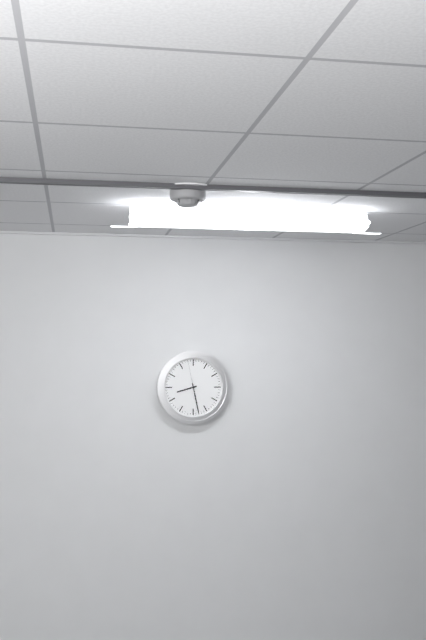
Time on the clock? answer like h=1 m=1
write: h=8 m=28
